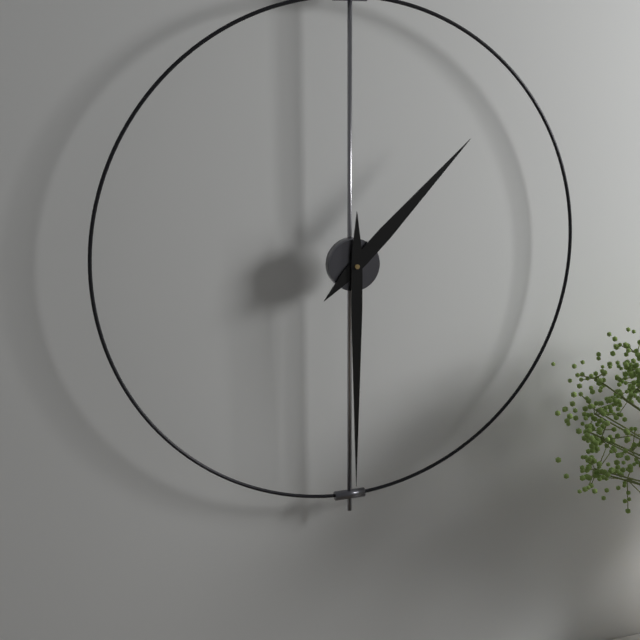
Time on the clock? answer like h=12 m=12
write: h=1 m=30
